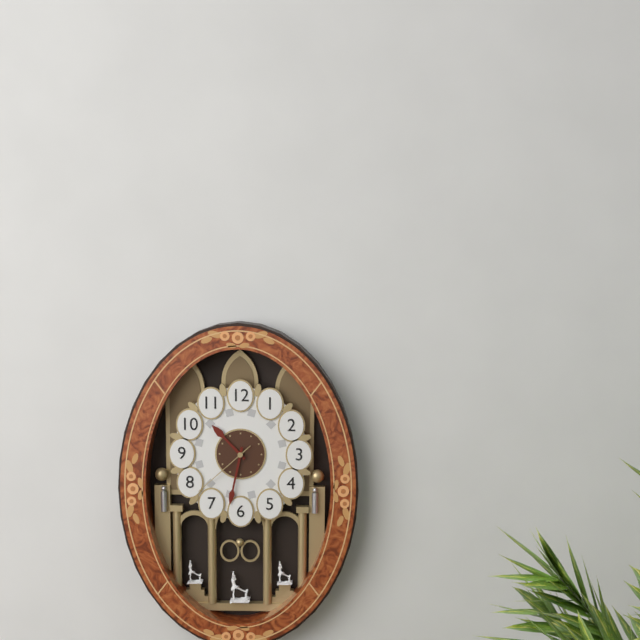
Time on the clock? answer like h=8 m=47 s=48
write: h=10 m=32 s=38
